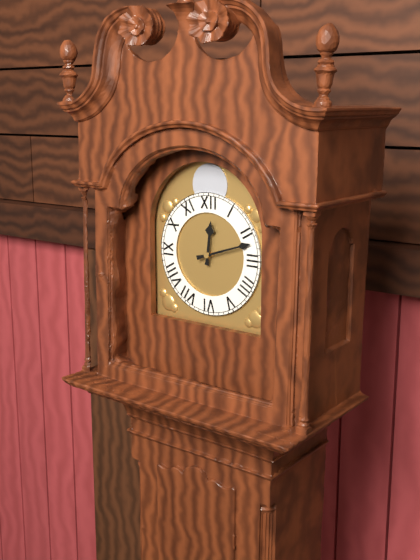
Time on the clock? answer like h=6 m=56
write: h=12 m=12
